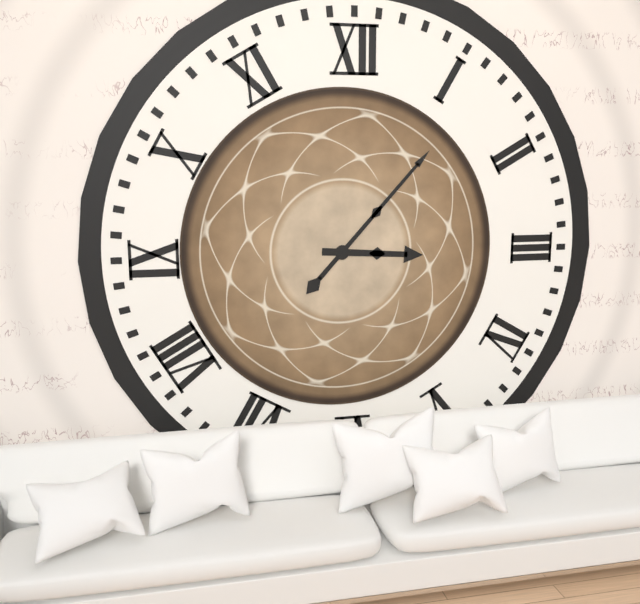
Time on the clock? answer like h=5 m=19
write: h=3 m=7
